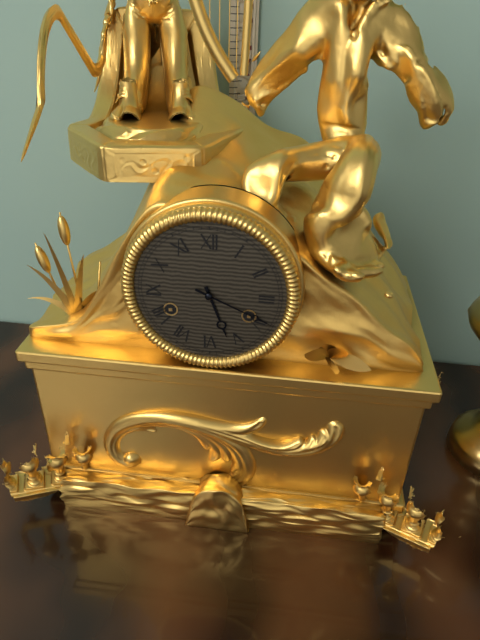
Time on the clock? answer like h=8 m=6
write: h=5 m=19
